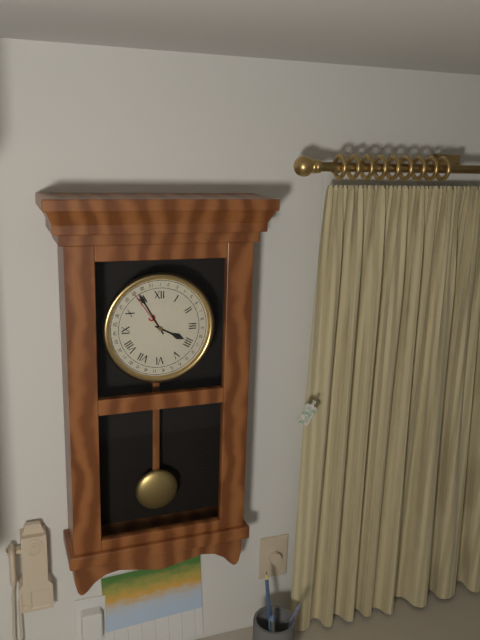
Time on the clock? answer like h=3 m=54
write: h=3 m=55
